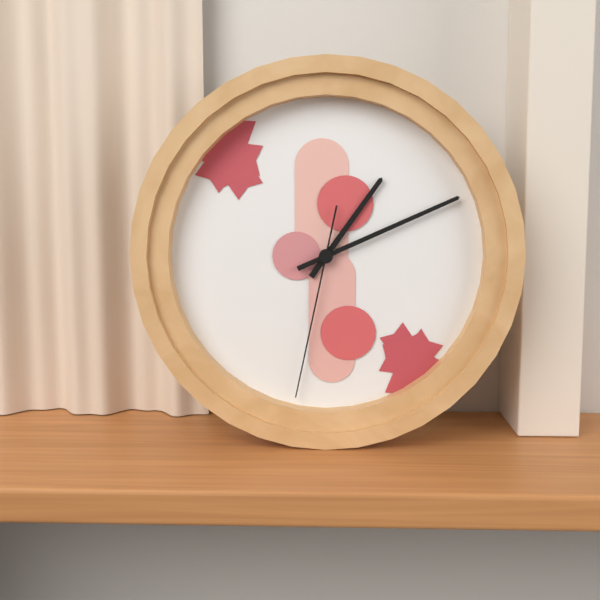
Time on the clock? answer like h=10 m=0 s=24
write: h=1 m=11 s=32
